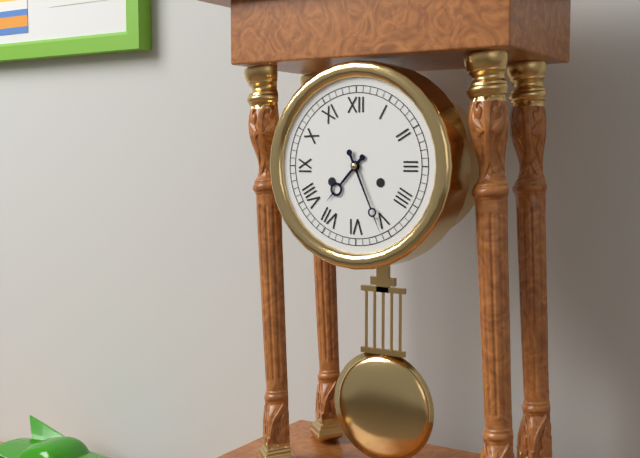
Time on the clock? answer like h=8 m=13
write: h=7 m=26
